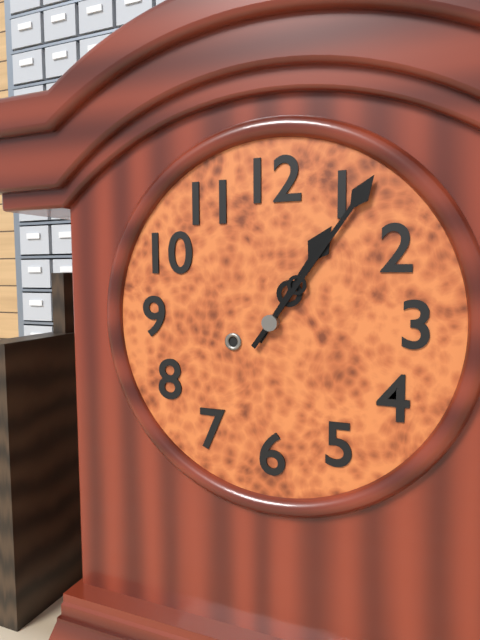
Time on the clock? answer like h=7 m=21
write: h=1 m=6
